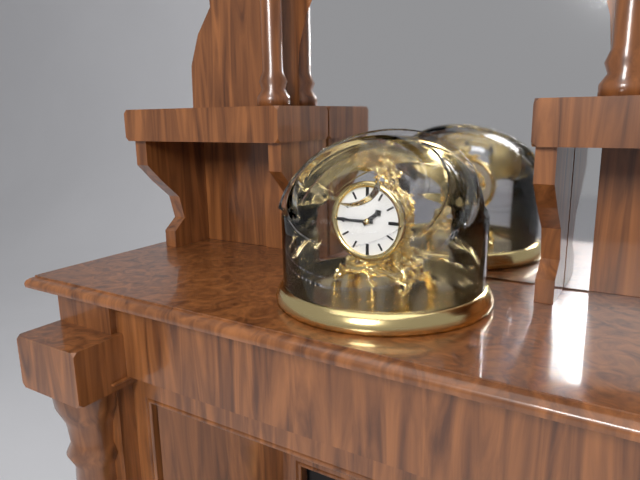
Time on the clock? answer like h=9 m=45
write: h=1 m=45
